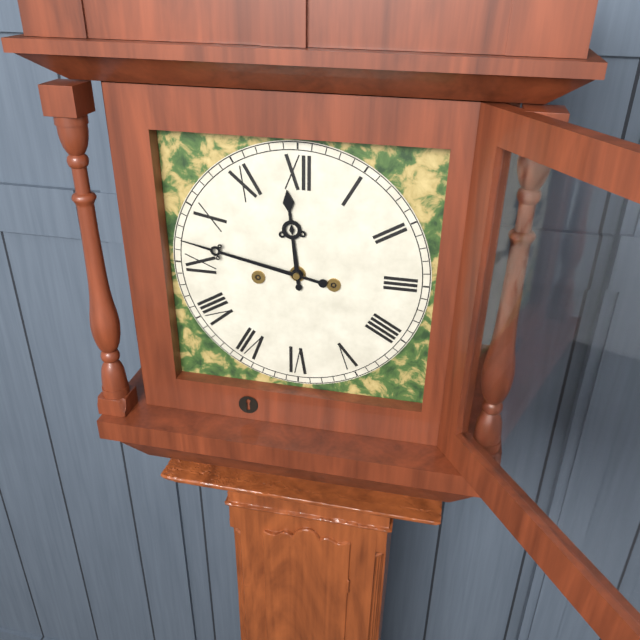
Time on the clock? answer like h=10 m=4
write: h=11 m=47
